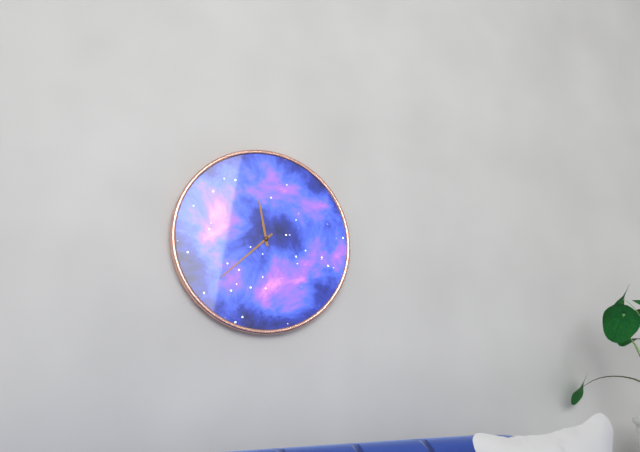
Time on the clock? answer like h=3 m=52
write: h=11 m=38
